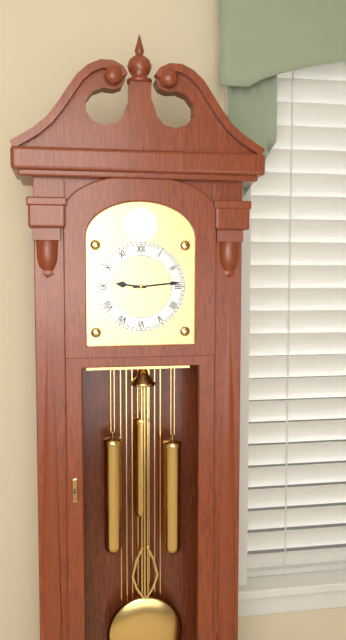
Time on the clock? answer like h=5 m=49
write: h=9 m=14
